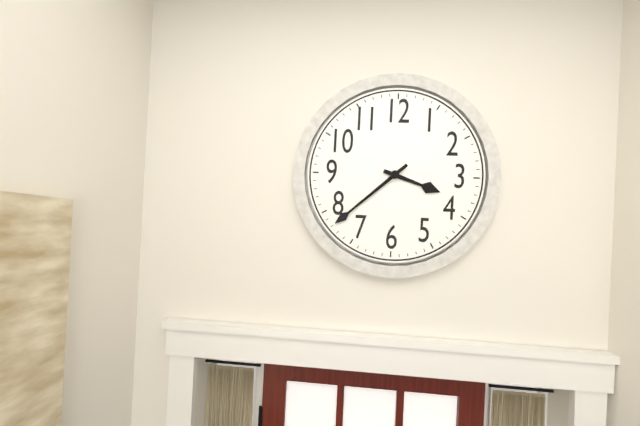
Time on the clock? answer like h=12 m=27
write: h=3 m=38
